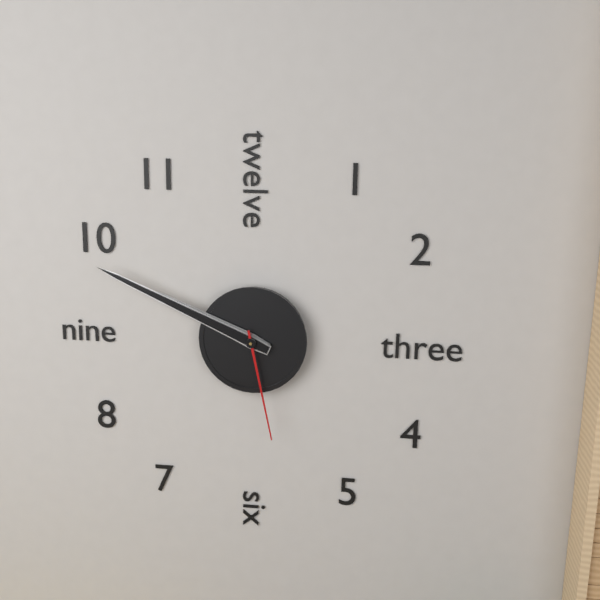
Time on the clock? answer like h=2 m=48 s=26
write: h=9 m=49 s=28
